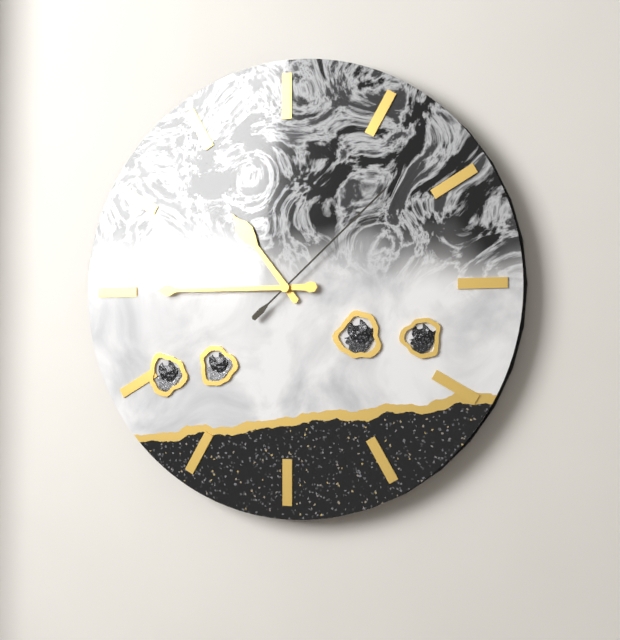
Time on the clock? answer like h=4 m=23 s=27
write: h=10 m=45 s=8
